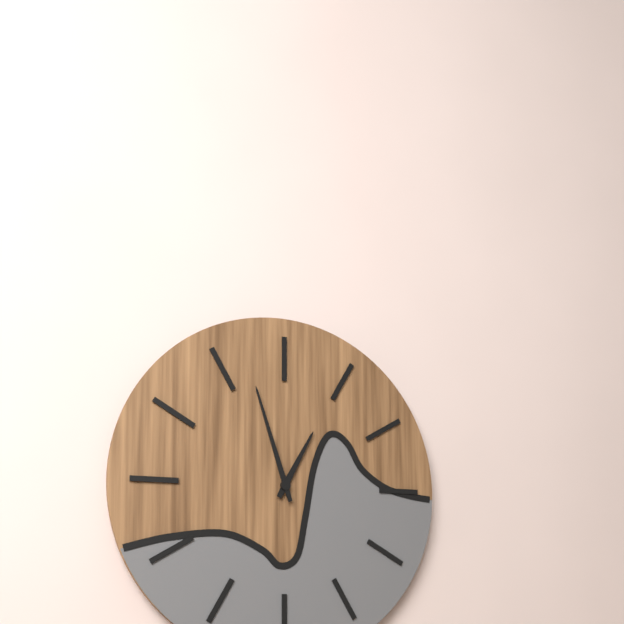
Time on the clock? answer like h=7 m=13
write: h=12 m=57
